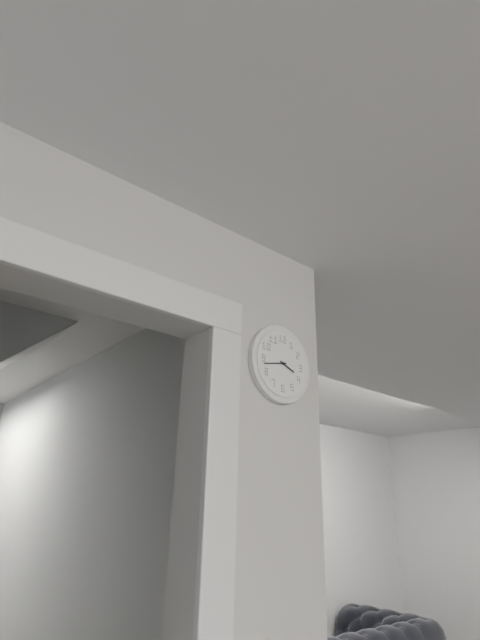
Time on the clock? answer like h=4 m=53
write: h=3 m=43
